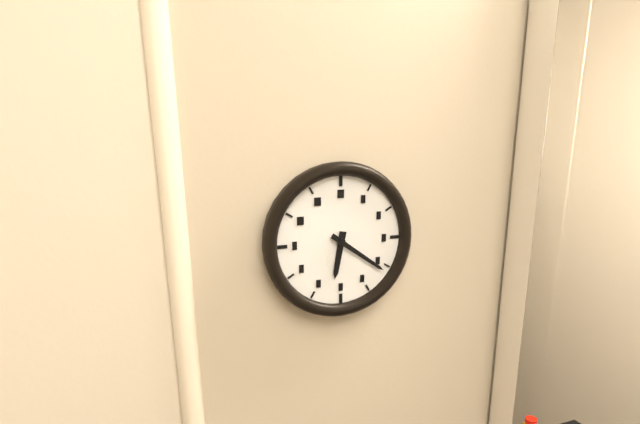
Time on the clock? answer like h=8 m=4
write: h=6 m=21
